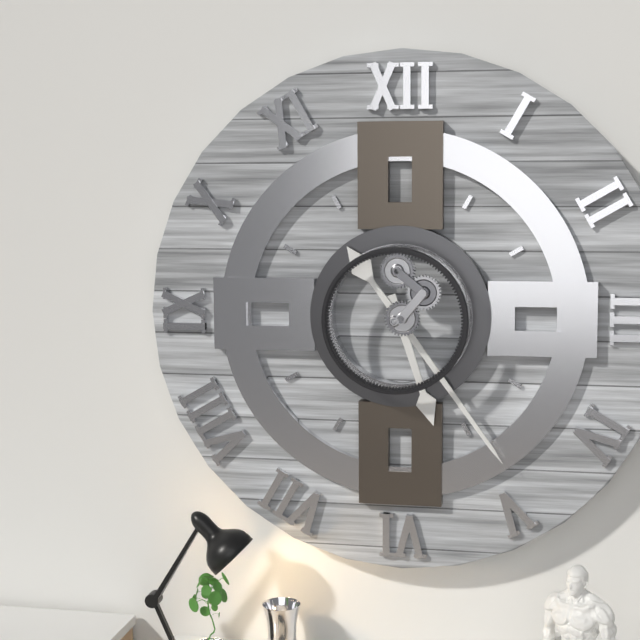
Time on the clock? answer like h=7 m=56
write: h=5 m=24
